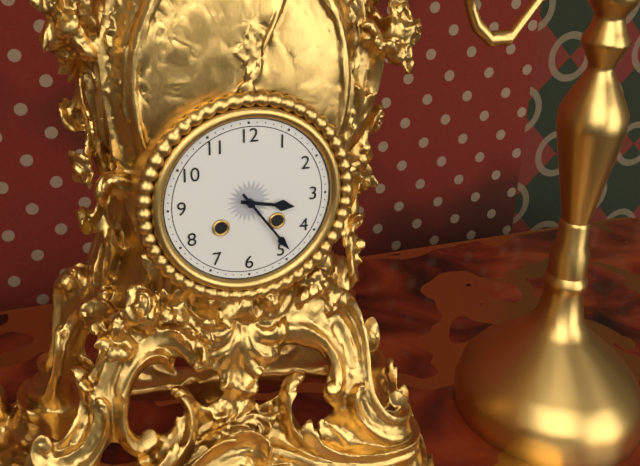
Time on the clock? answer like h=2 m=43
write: h=3 m=24
